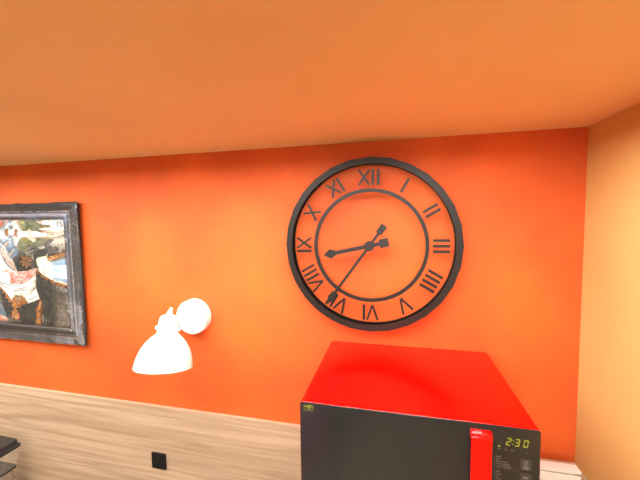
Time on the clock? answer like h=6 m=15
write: h=8 m=36
